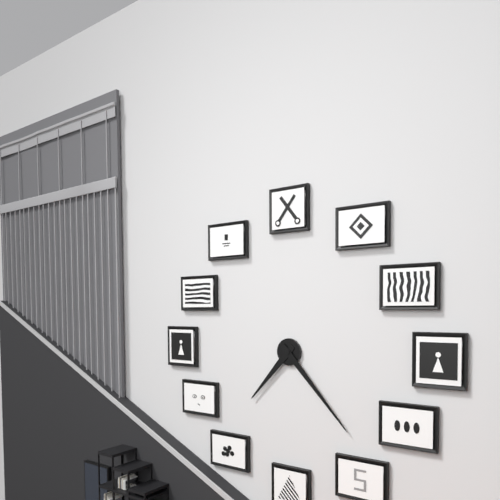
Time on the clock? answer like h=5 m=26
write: h=7 m=23
